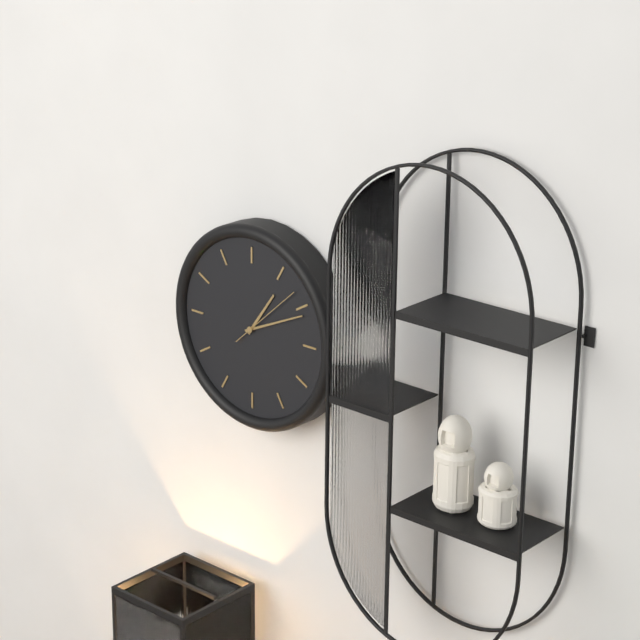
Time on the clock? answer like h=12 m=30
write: h=1 m=11
